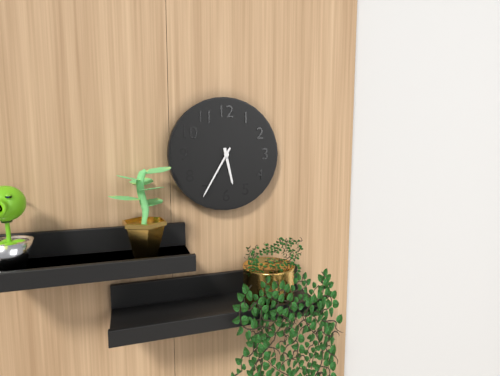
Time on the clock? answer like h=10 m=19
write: h=5 m=35
